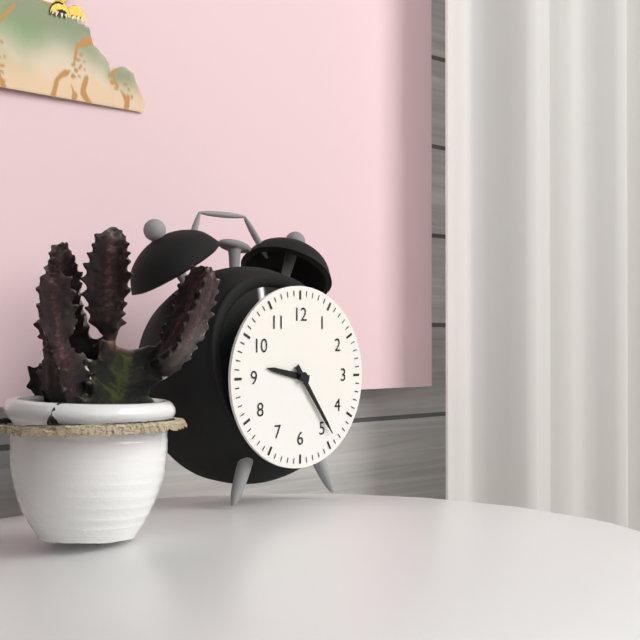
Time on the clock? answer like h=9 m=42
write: h=9 m=24
